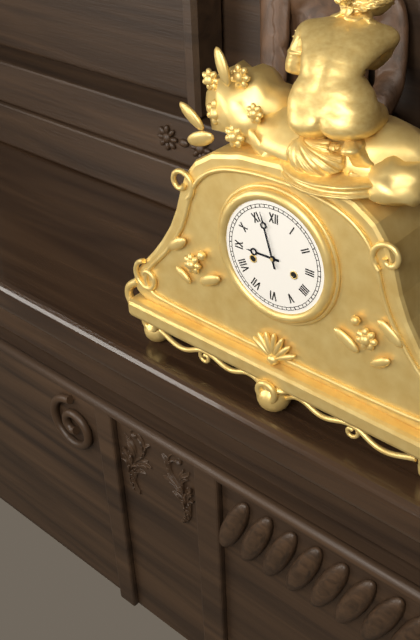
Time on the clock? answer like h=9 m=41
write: h=8 m=57
